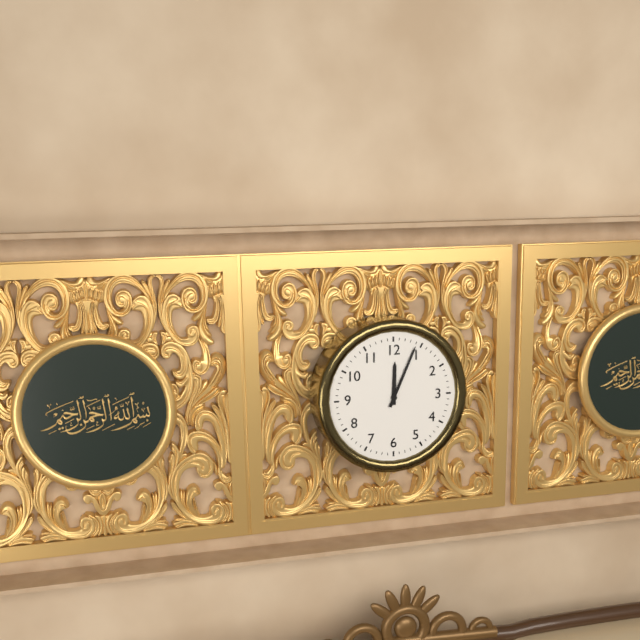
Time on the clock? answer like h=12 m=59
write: h=12 m=4
